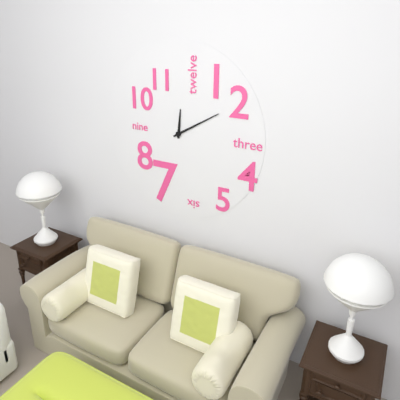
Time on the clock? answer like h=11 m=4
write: h=12 m=10
